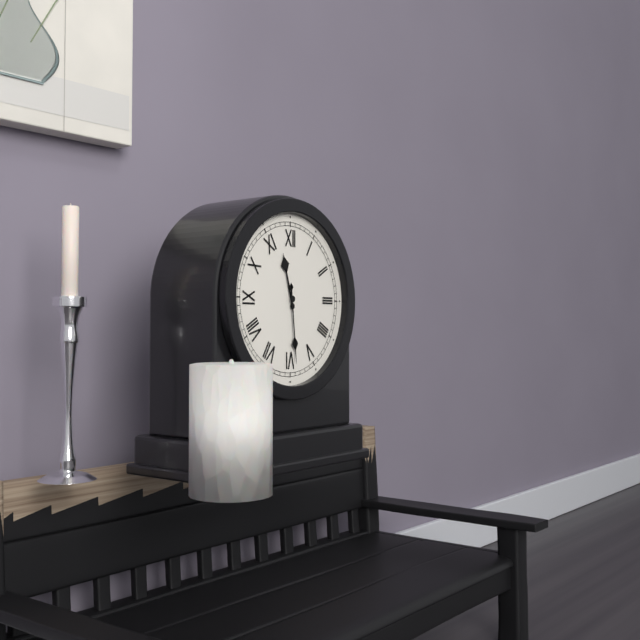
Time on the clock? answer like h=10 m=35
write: h=11 m=29
